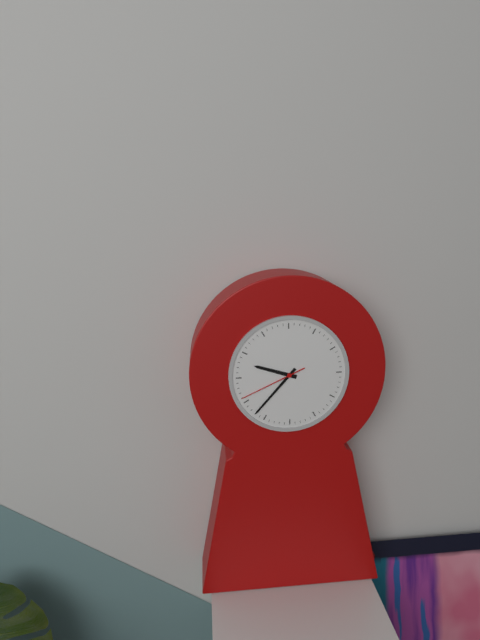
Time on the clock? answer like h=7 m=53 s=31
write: h=9 m=37 s=41
